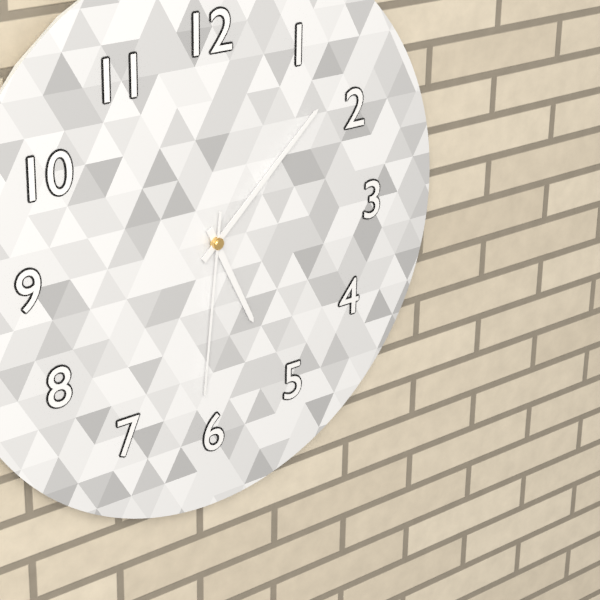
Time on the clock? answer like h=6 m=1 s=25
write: h=5 m=8 s=31
